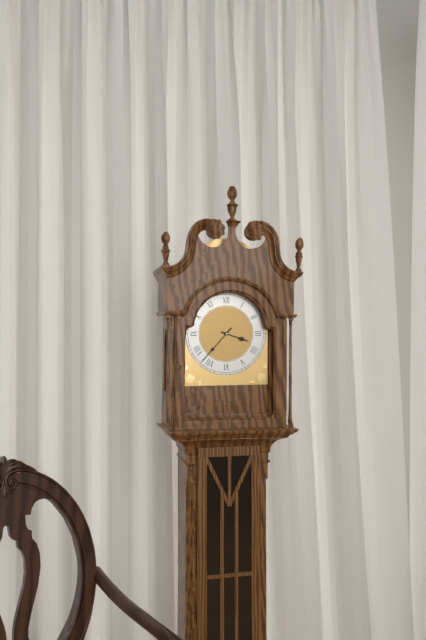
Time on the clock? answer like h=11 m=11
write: h=3 m=37
